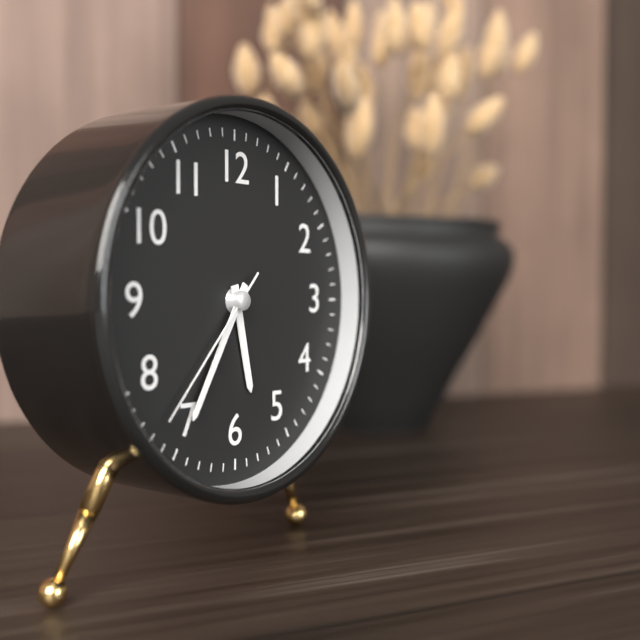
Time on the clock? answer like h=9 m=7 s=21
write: h=5 m=35 s=37
